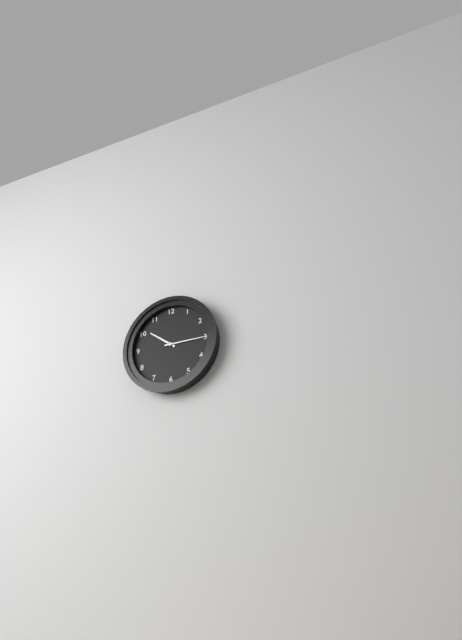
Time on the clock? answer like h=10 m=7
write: h=10 m=15
